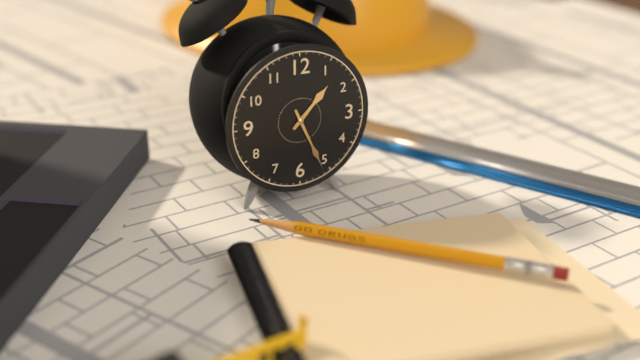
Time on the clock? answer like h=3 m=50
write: h=1 m=26
